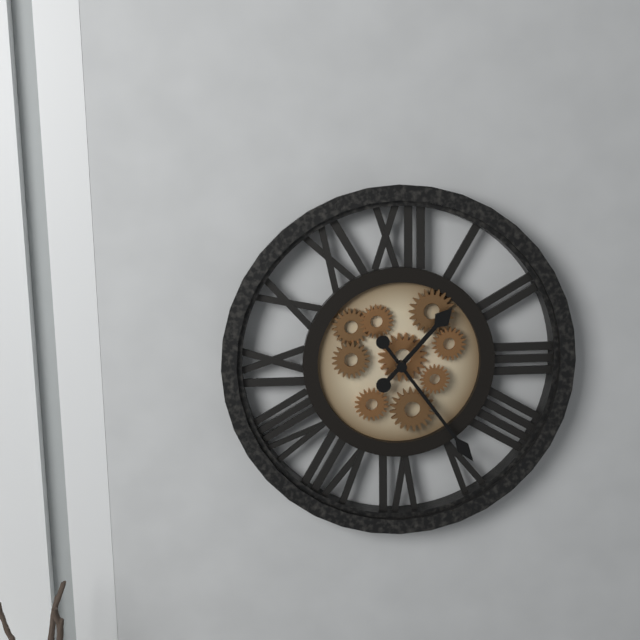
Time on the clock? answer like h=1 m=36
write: h=1 m=24
